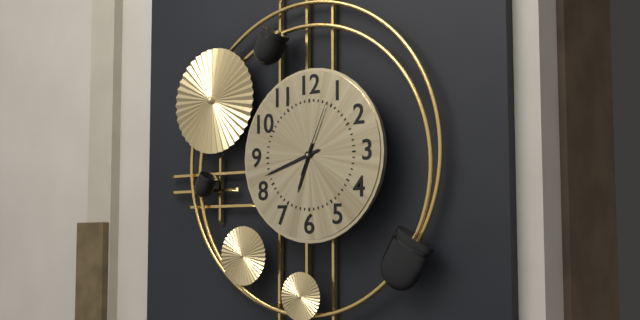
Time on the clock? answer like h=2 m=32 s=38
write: h=6 m=42 s=4
